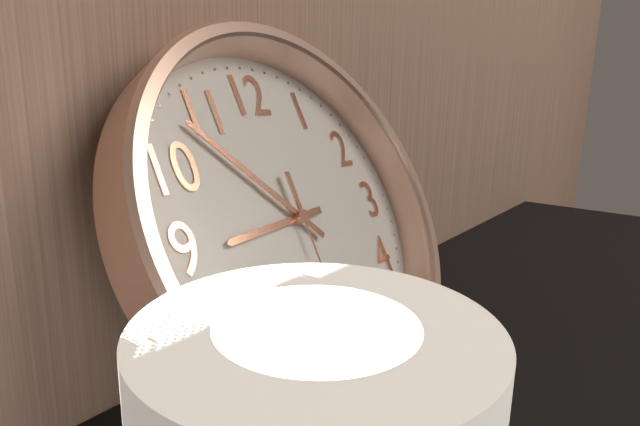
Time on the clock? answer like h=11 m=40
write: h=8 m=53
